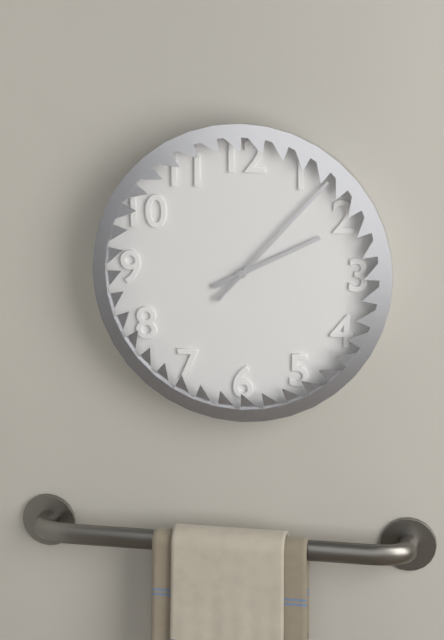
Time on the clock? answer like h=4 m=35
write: h=2 m=7
